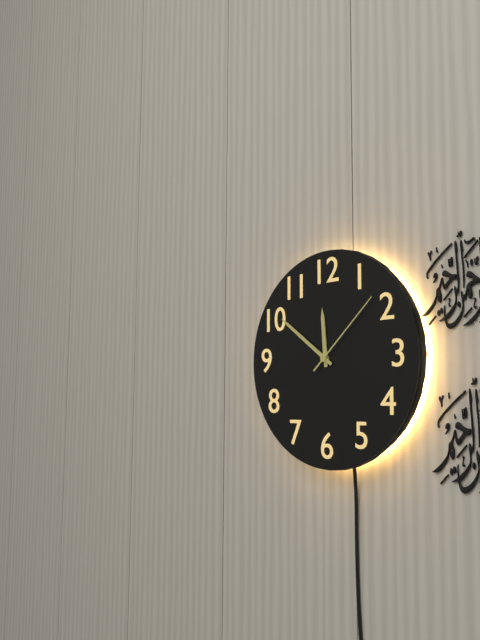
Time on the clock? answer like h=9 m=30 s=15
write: h=11 m=51 s=8
